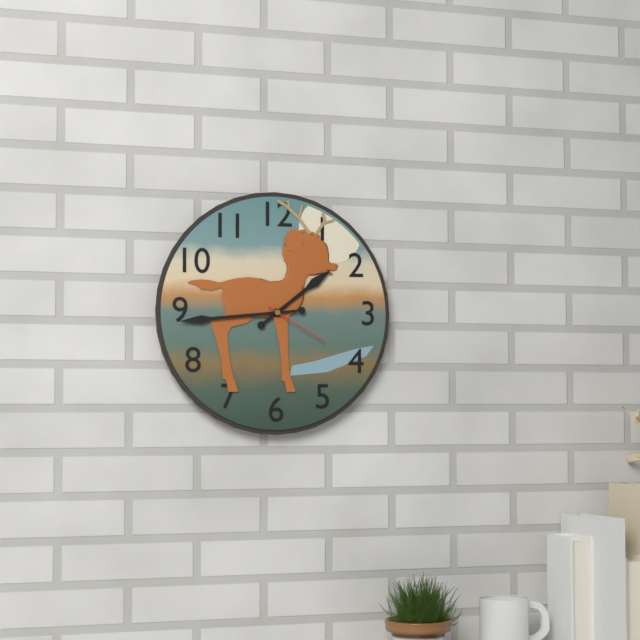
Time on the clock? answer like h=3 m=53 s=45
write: h=1 m=44 s=20
